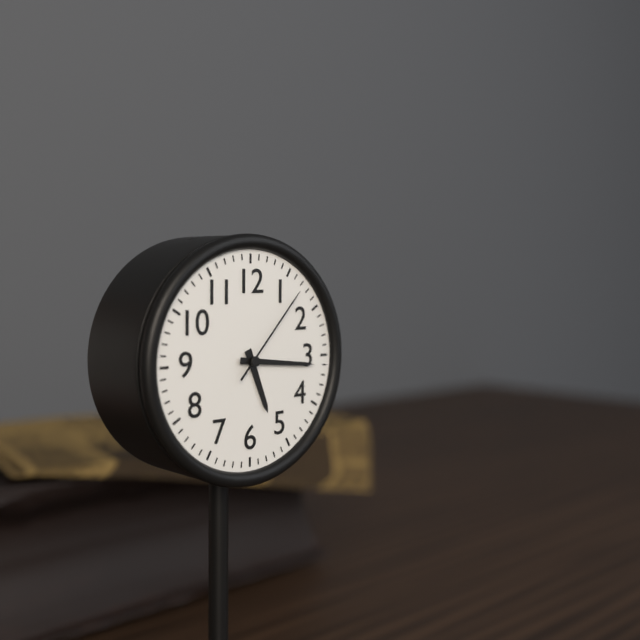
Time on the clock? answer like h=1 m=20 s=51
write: h=5 m=16 s=7
